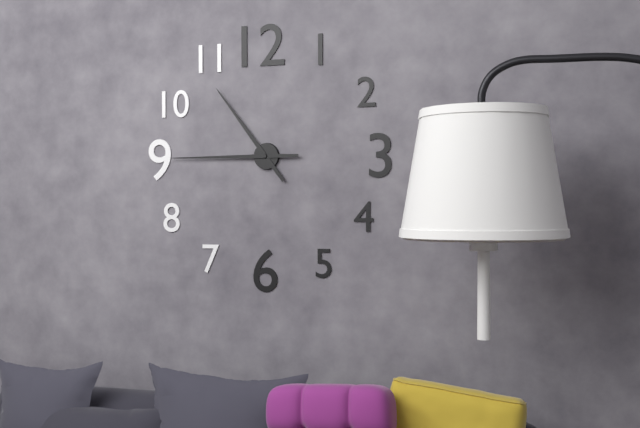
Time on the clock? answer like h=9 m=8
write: h=10 m=45
